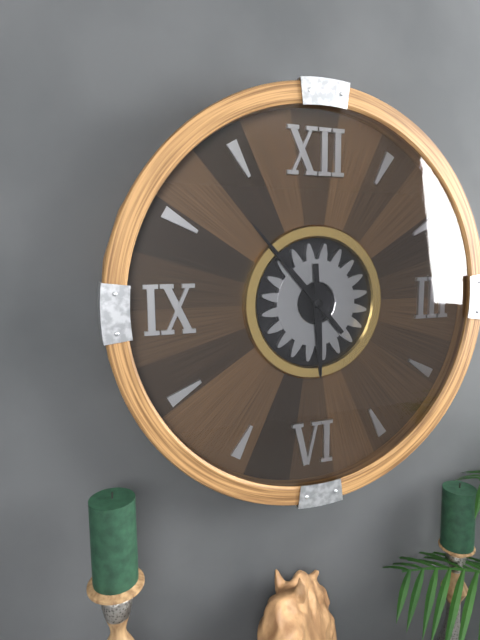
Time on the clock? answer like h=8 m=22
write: h=5 m=53
